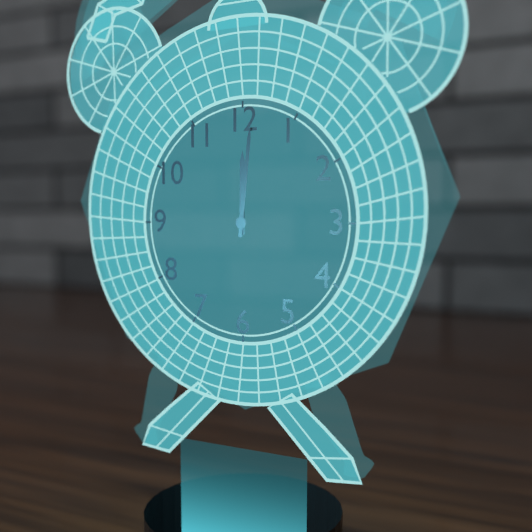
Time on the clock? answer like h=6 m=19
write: h=12 m=1
